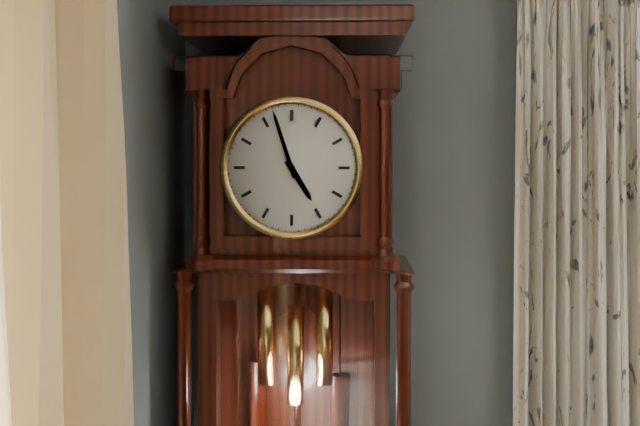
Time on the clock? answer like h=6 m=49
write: h=4 m=57
